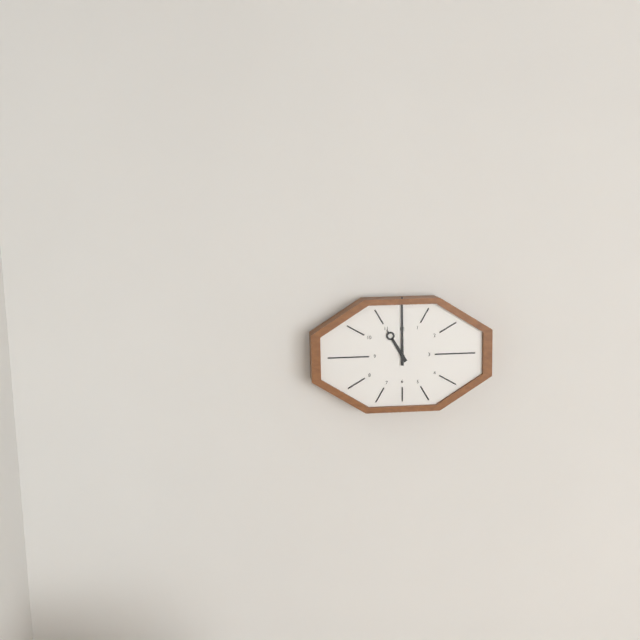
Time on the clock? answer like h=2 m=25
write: h=11 m=0
